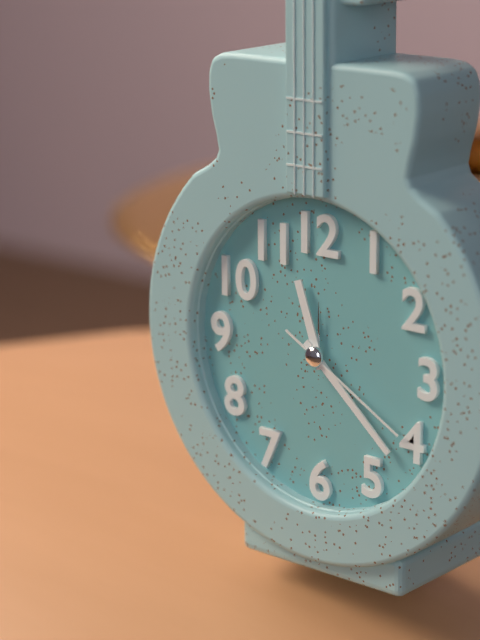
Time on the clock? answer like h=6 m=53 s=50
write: h=11 m=22 s=20
